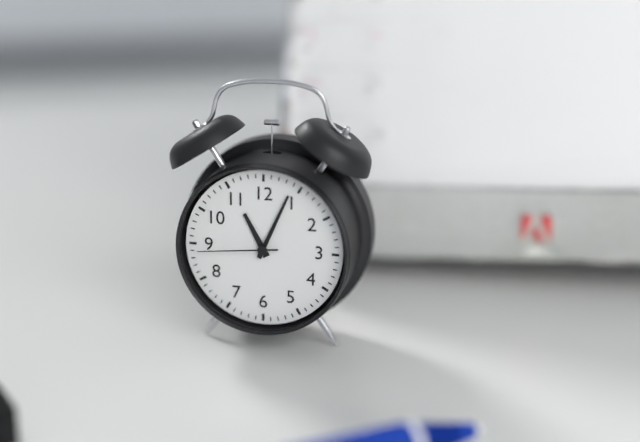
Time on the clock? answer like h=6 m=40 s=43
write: h=11 m=4 s=44
